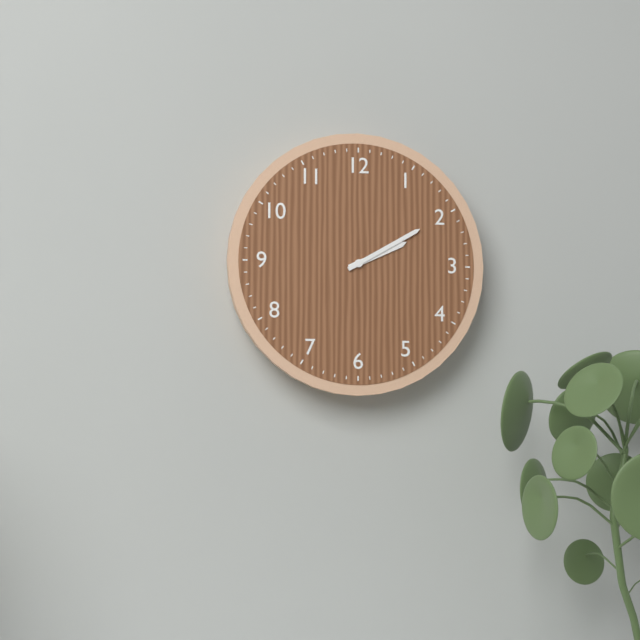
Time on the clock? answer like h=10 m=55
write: h=2 m=10
